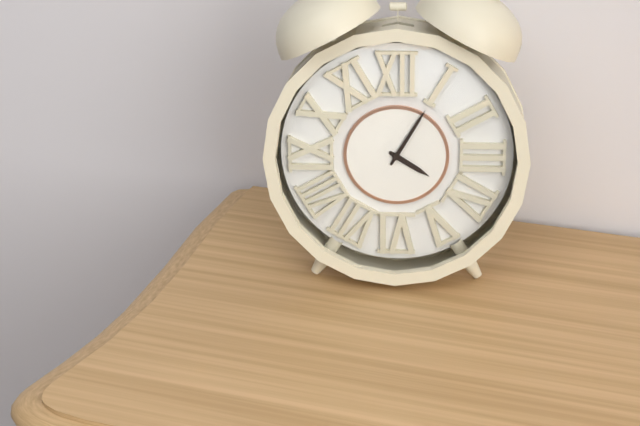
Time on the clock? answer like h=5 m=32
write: h=4 m=5
